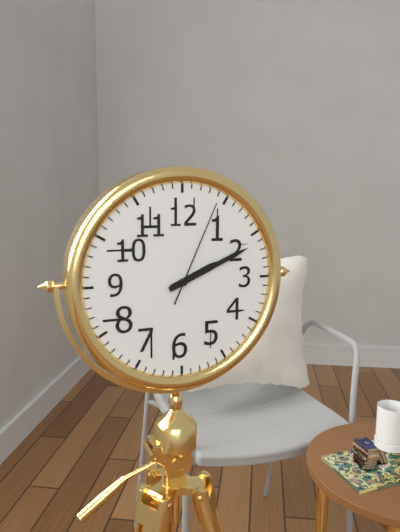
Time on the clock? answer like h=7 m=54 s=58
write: h=2 m=11 s=4
